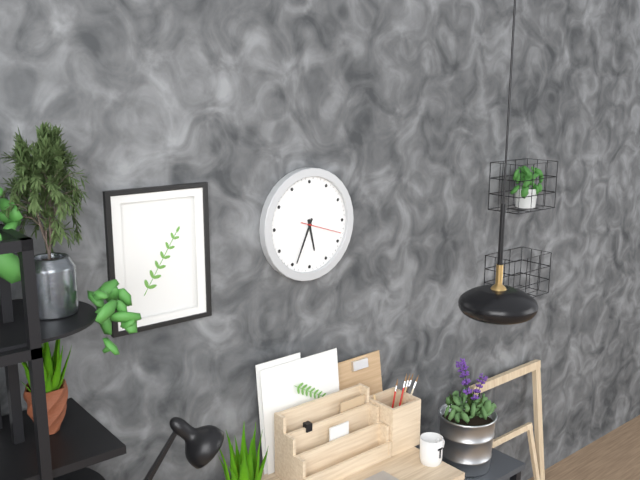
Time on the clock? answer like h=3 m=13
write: h=5 m=34
